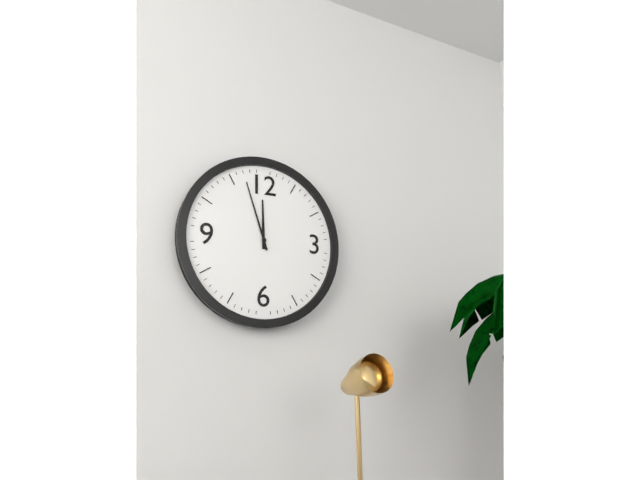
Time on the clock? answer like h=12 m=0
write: h=11 m=57
